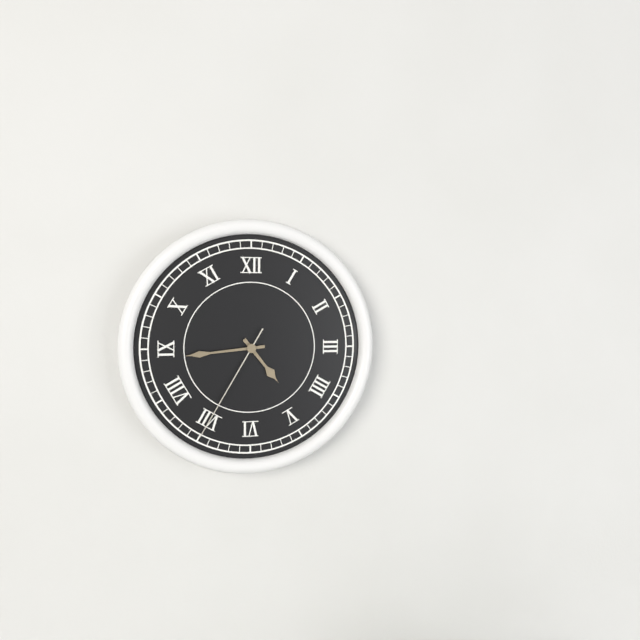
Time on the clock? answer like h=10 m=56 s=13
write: h=4 m=44 s=35
